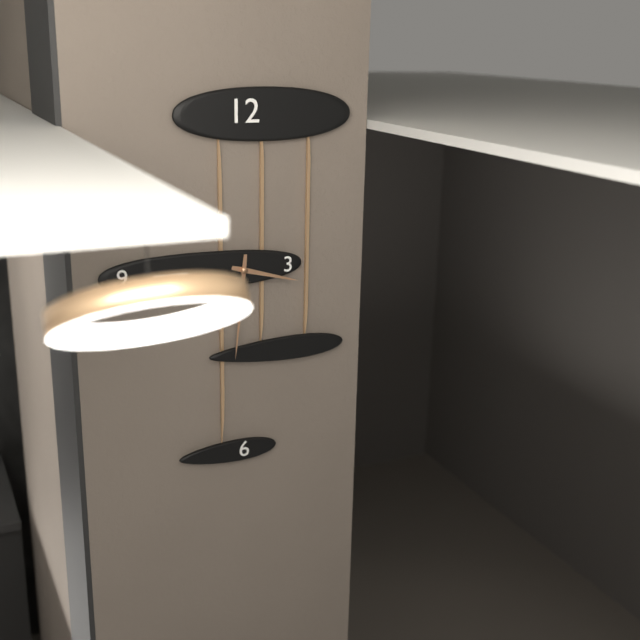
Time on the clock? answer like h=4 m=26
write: h=3 m=31
